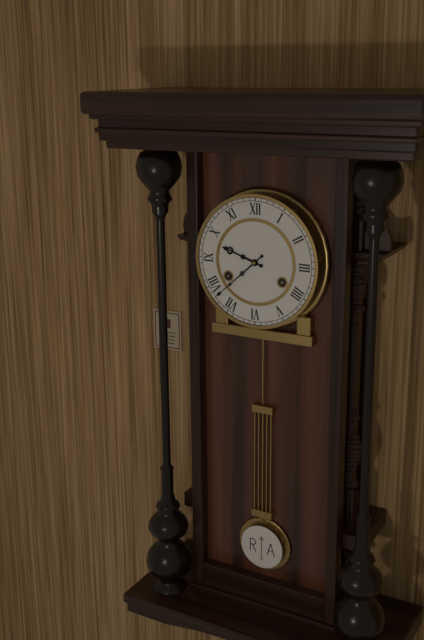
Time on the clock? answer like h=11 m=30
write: h=9 m=38
